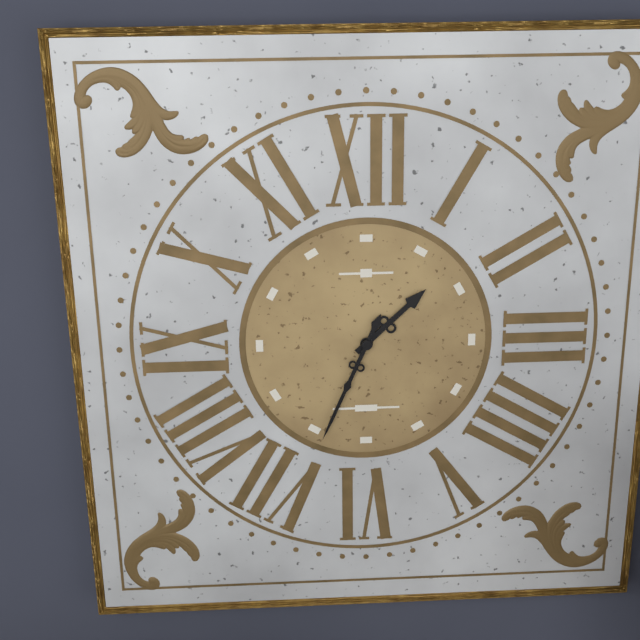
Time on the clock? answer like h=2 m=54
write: h=1 m=34
